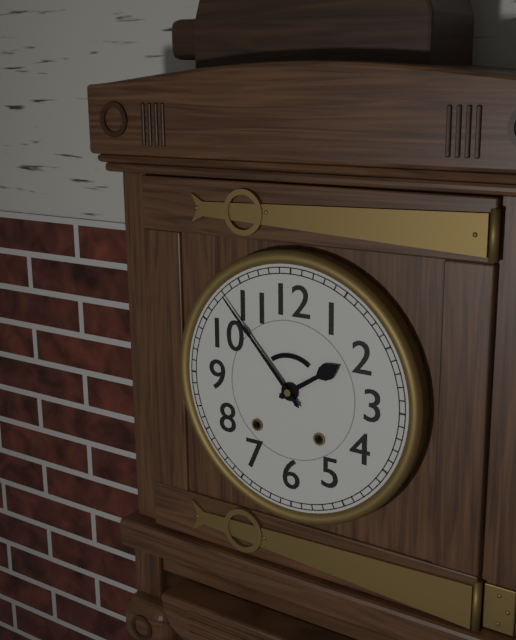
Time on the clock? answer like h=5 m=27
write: h=1 m=53
